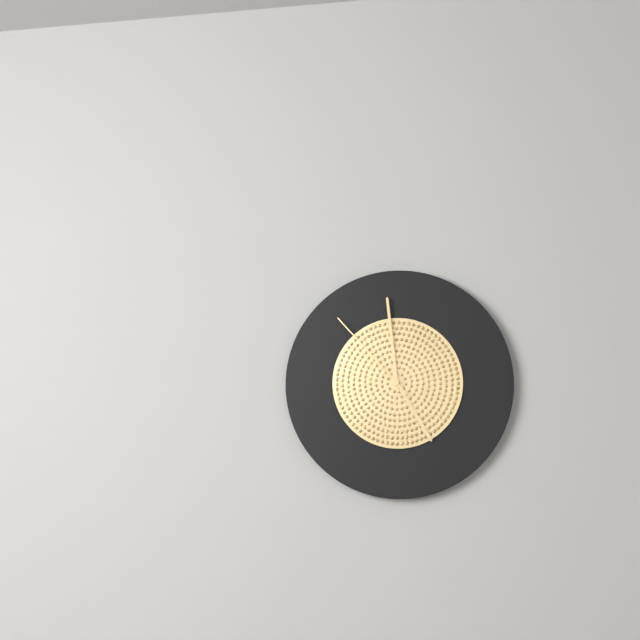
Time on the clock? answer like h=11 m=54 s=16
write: h=4 m=59 s=53
